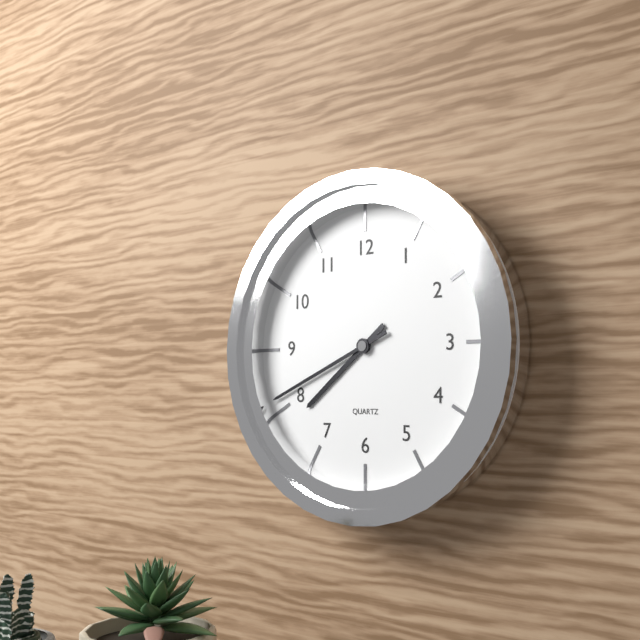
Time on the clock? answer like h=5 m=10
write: h=7 m=41
